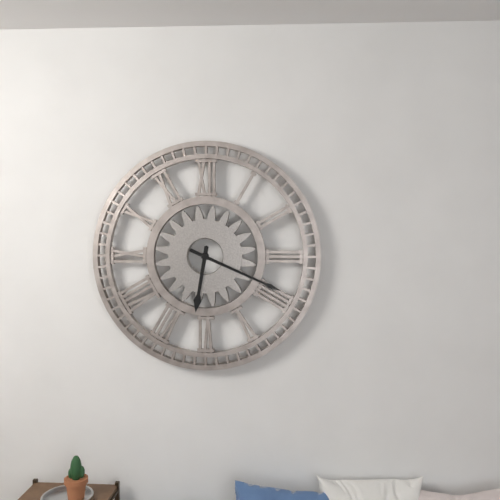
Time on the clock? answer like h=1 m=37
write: h=6 m=19
